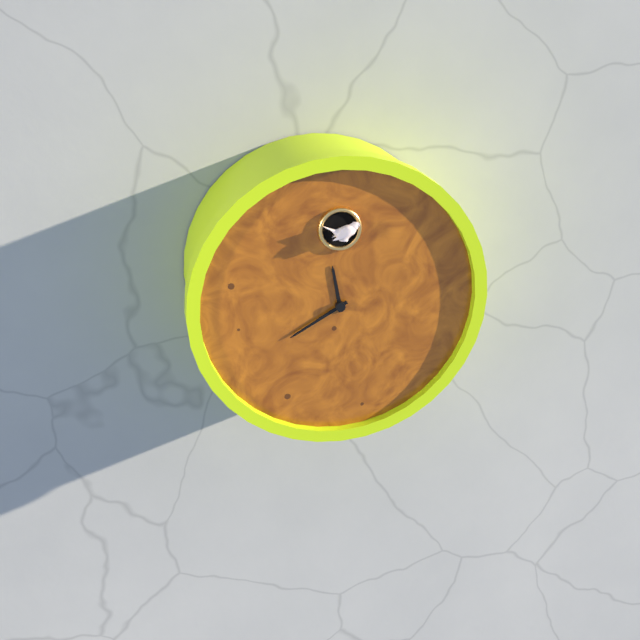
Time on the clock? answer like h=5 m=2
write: h=11 m=40
